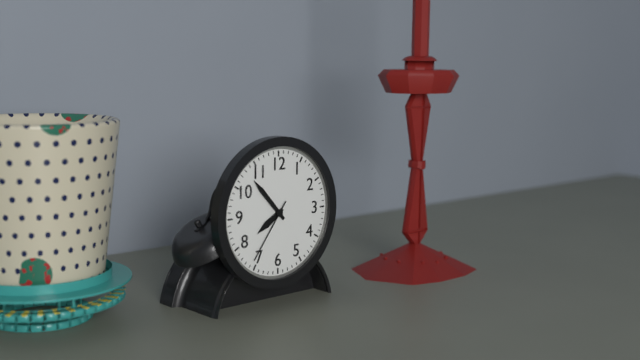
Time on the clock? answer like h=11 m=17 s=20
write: h=7 m=53 s=36
